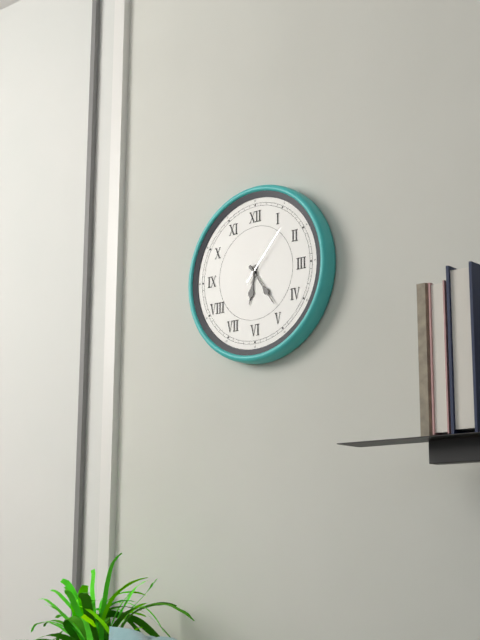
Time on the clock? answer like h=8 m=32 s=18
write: h=6 m=24 s=7
